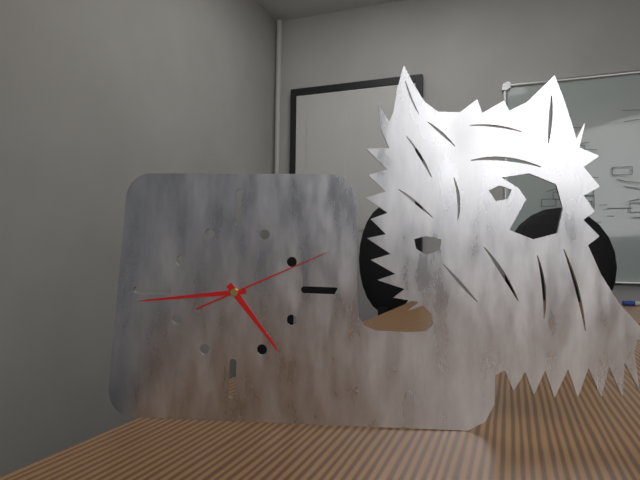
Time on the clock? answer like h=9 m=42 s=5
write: h=4 m=44 s=11
